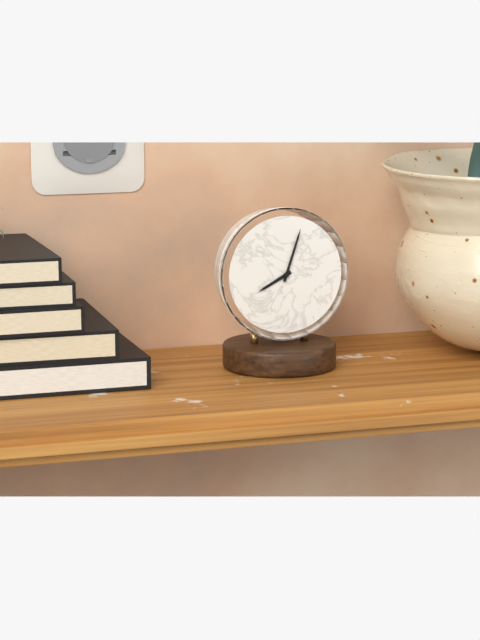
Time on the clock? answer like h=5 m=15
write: h=8 m=3
